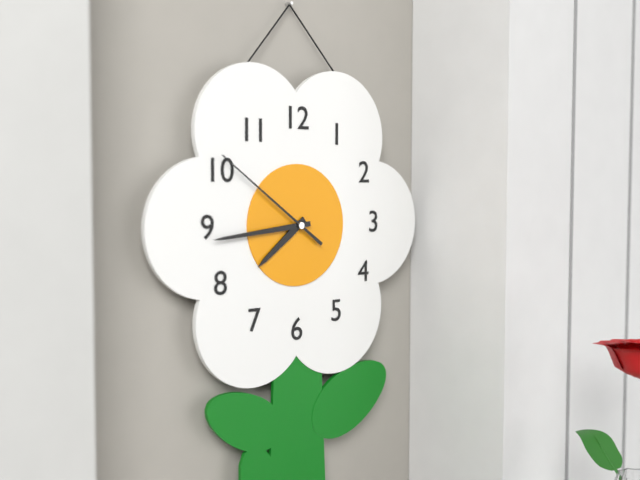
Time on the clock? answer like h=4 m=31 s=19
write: h=7 m=44 s=51
